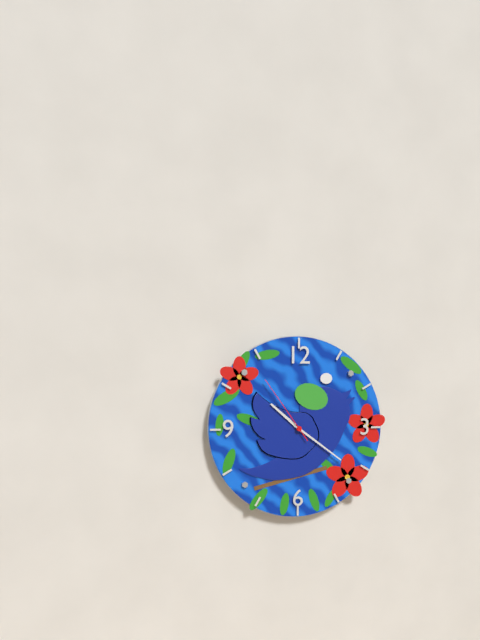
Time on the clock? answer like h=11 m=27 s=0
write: h=10 m=21 s=54
